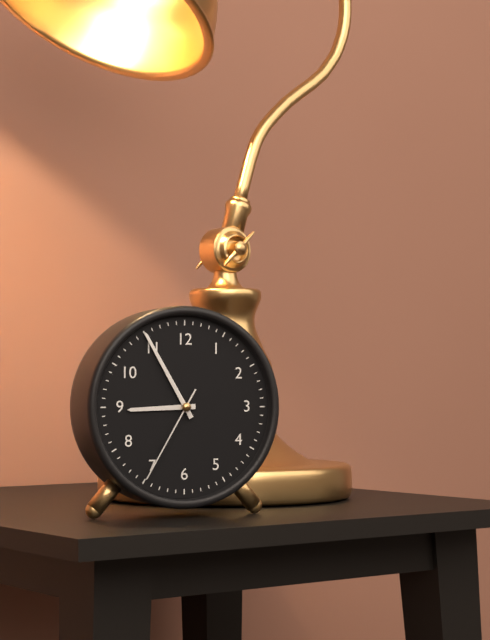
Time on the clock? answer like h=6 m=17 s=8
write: h=8 m=55 s=35
